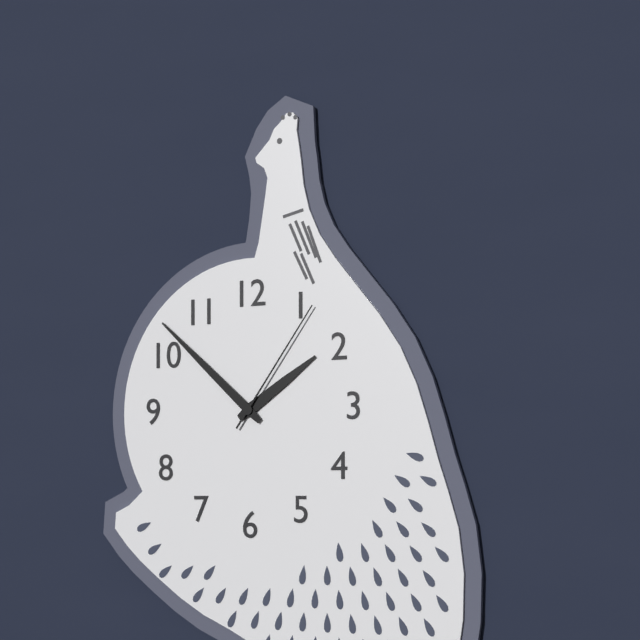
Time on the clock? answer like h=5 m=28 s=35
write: h=1 m=52 s=6
